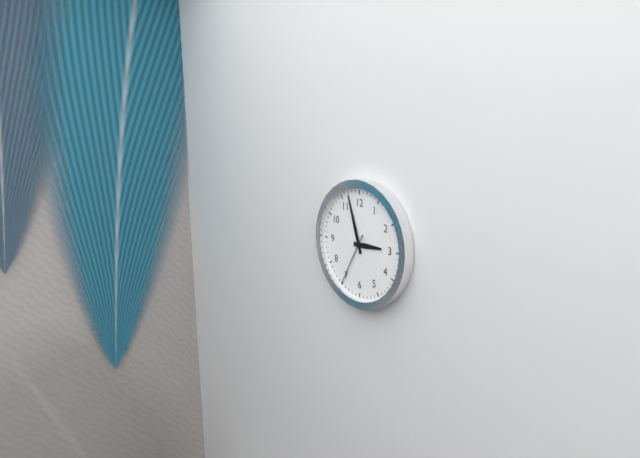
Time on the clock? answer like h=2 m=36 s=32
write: h=2 m=57 s=35
